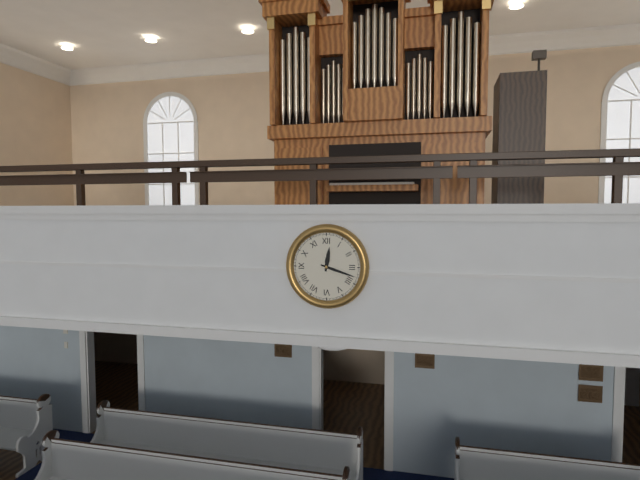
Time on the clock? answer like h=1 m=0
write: h=12 m=18
